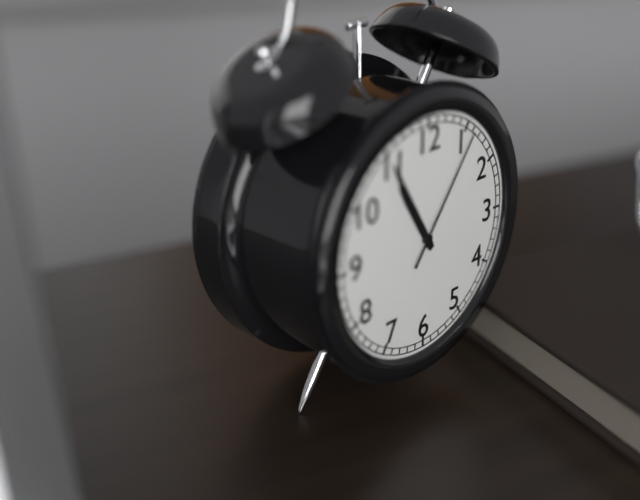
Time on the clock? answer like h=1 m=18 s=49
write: h=10 m=55 s=6
